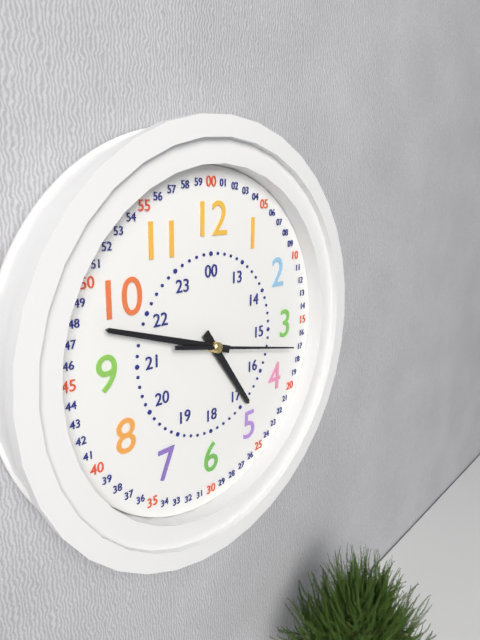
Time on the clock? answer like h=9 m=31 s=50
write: h=4 m=48 s=17
